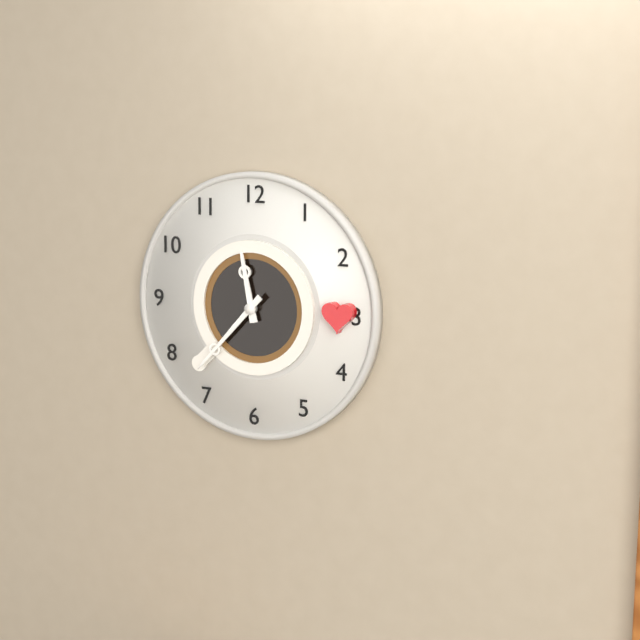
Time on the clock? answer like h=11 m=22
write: h=11 m=37
